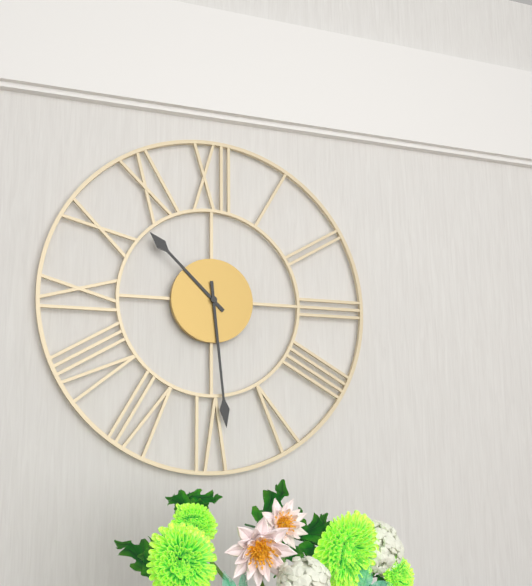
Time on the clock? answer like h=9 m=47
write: h=10 m=29
